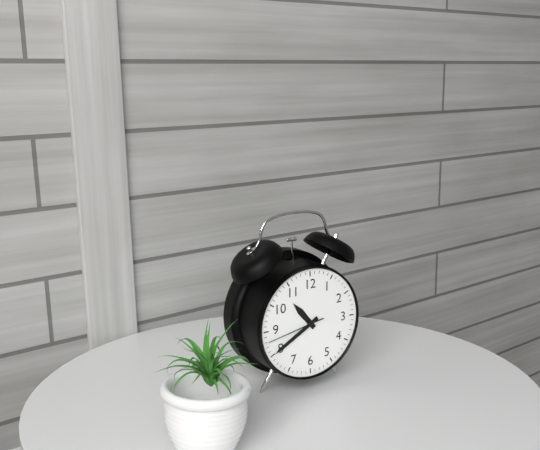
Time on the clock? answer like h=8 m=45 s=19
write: h=10 m=40 s=43
